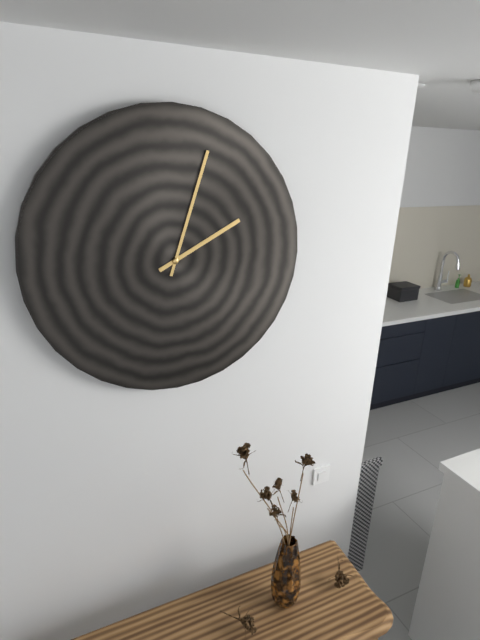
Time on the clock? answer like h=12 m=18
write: h=2 m=3
